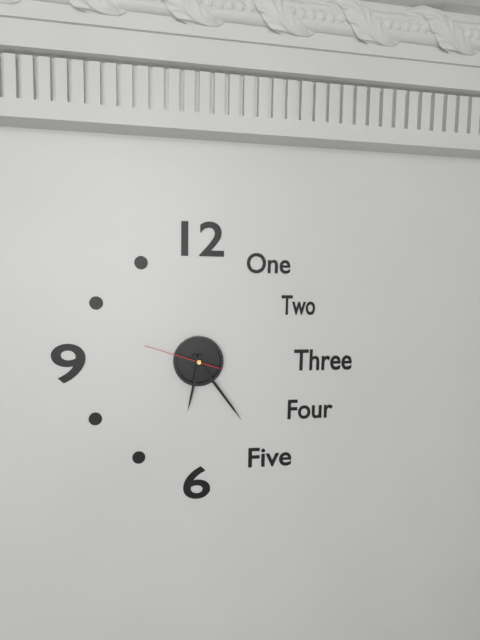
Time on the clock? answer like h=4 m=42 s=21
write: h=6 m=24 s=48
